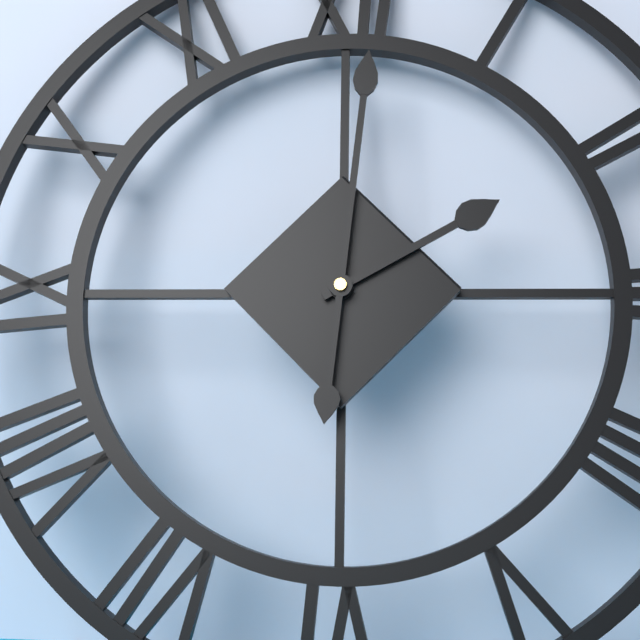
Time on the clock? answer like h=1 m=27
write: h=2 m=1
